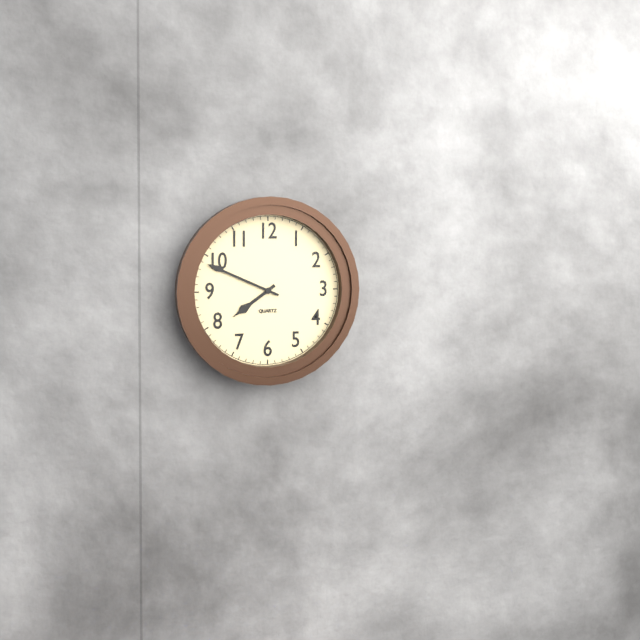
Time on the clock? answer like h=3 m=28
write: h=7 m=49
